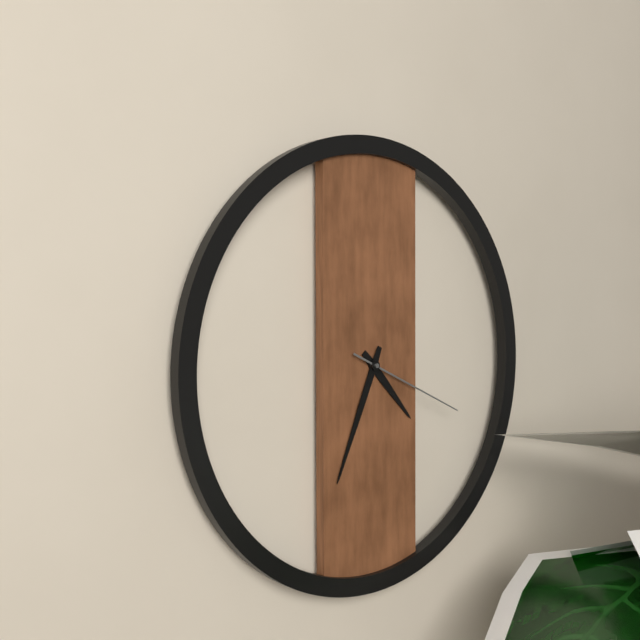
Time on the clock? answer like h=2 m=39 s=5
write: h=4 m=34 s=19
